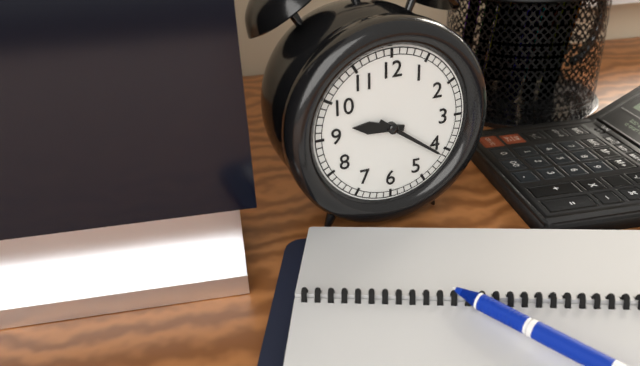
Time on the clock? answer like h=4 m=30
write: h=9 m=21
